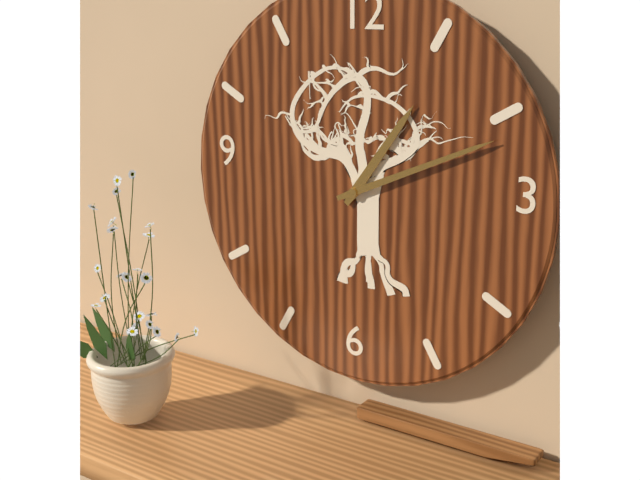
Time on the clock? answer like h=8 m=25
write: h=1 m=11
